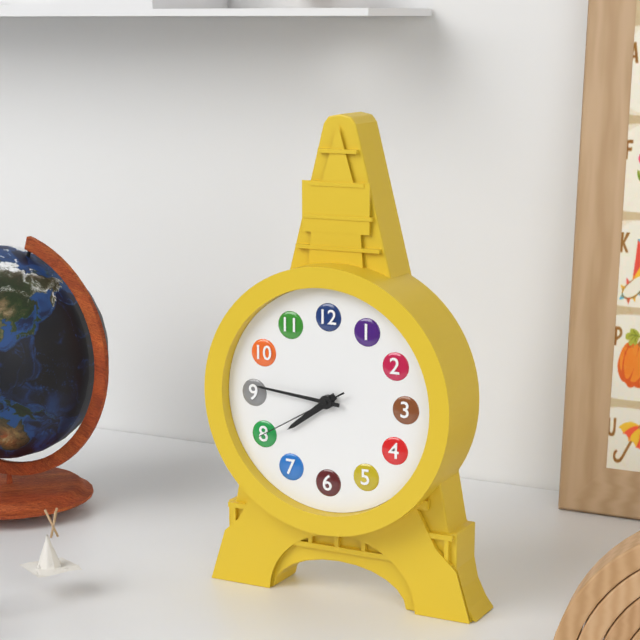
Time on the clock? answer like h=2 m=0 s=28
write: h=7 m=46 s=40
